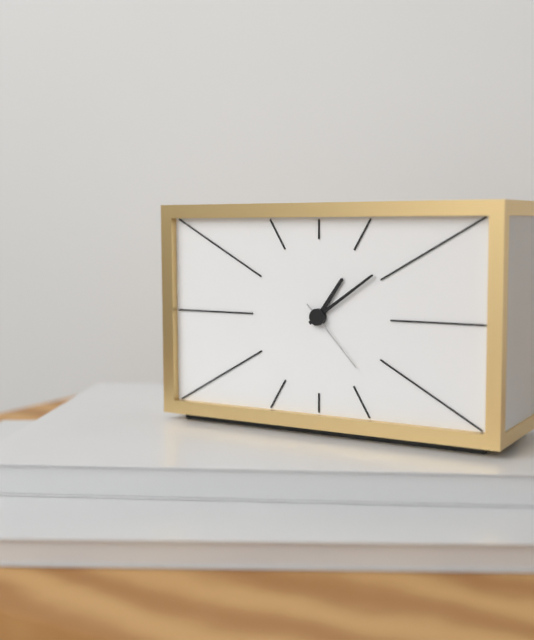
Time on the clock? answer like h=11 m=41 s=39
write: h=1 m=9 s=23
